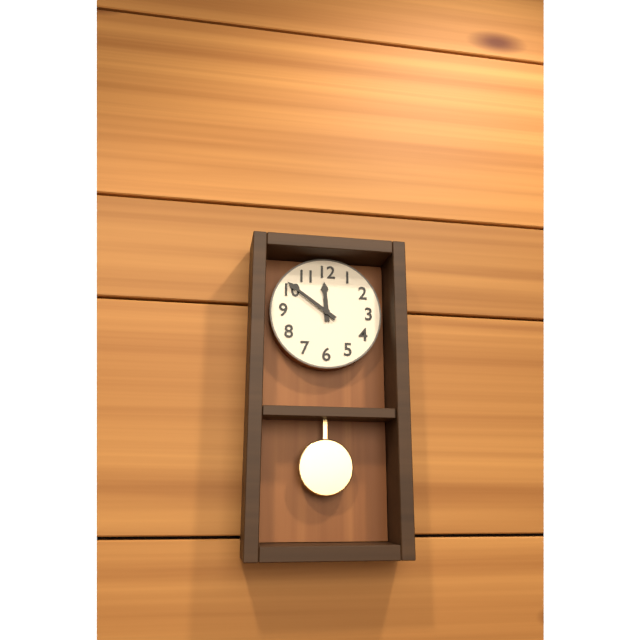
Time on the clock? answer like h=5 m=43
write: h=11 m=51
